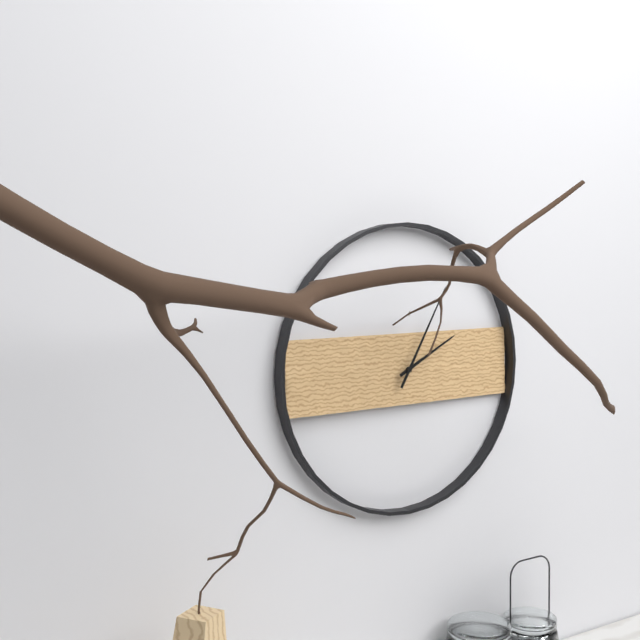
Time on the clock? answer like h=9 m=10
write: h=2 m=5
